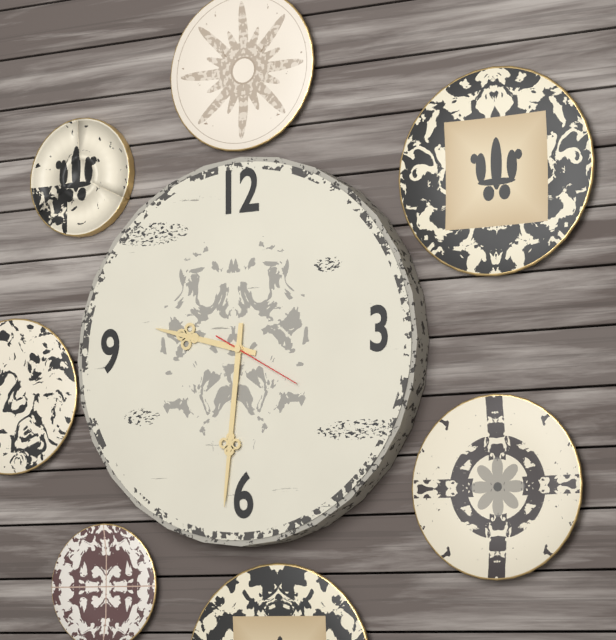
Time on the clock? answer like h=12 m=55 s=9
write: h=9 m=31 s=20
